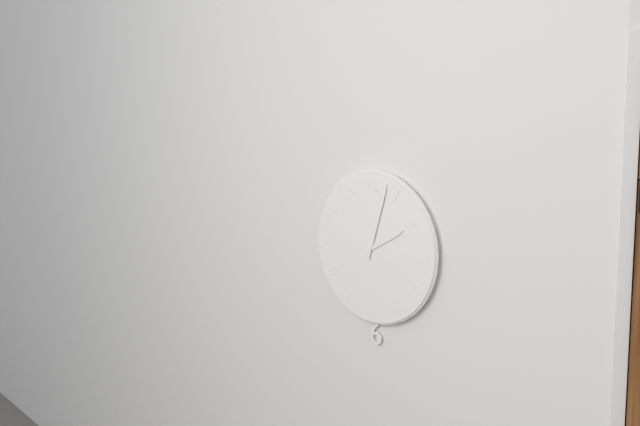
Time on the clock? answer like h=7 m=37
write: h=2 m=3
